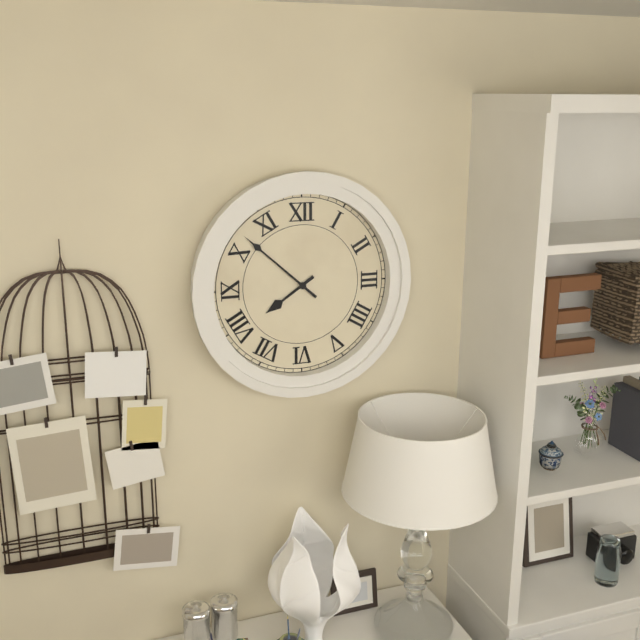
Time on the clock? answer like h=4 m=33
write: h=7 m=52
